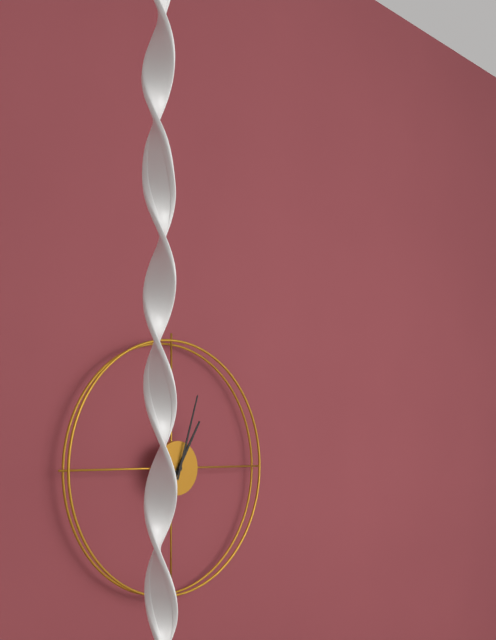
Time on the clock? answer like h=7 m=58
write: h=1 m=3
